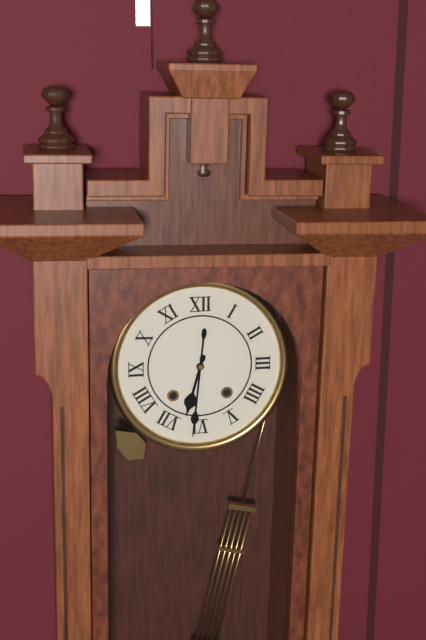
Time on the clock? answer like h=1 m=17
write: h=6 m=31
